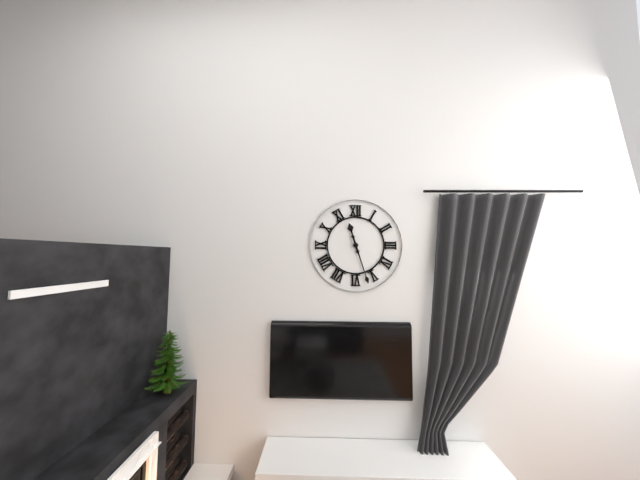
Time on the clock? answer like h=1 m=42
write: h=11 m=27
